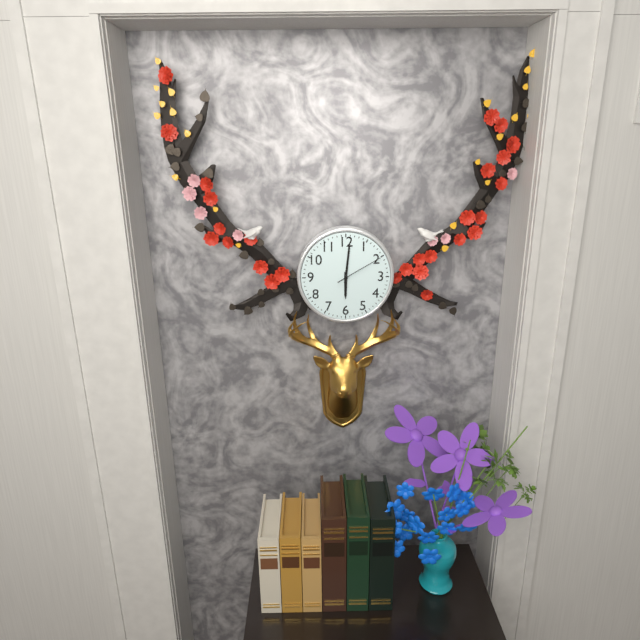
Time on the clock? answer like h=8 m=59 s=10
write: h=6 m=1 s=10
